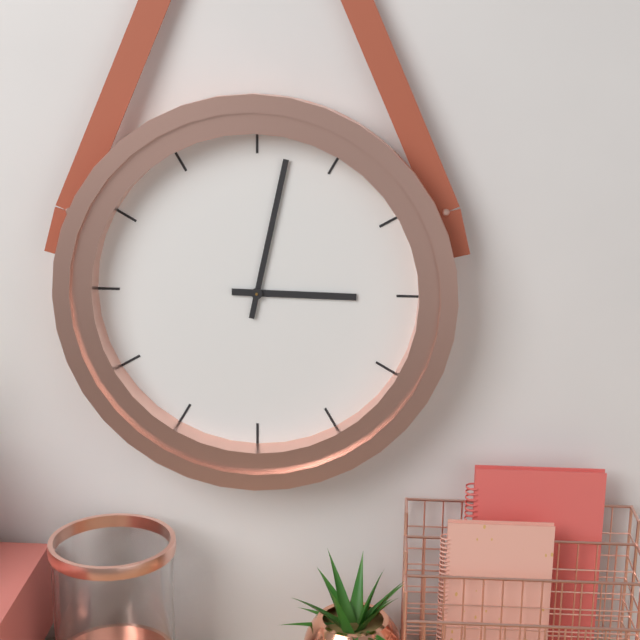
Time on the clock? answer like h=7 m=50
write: h=3 m=2
